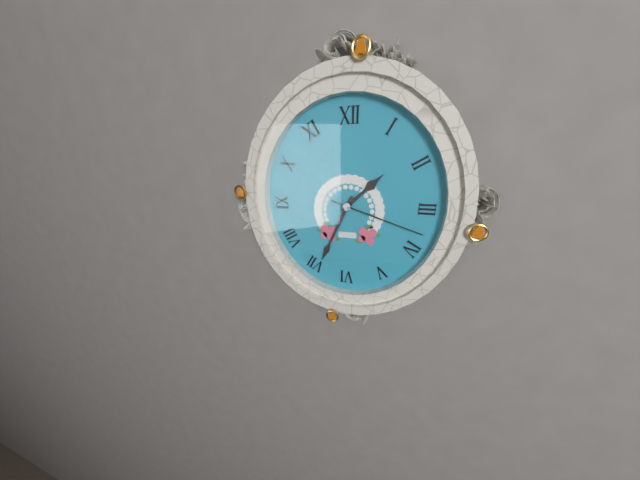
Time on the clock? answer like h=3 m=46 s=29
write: h=1 m=34 s=18
